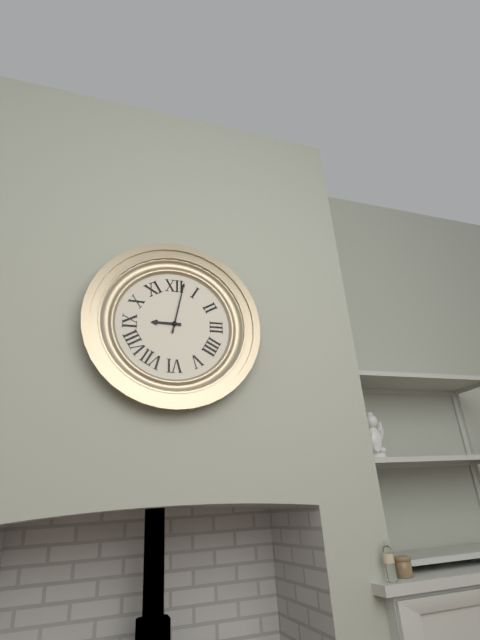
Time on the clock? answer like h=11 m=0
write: h=9 m=2
